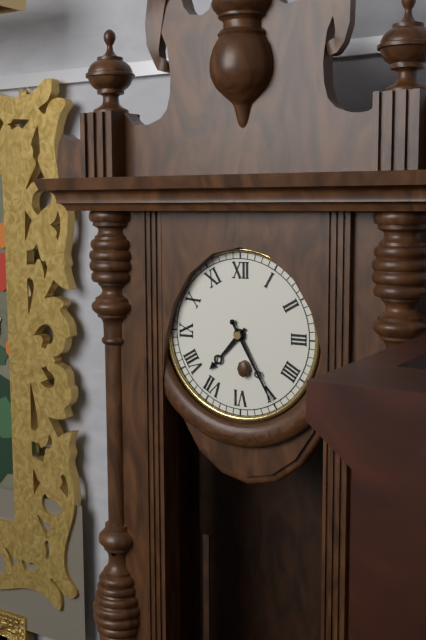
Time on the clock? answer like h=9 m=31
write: h=7 m=25
